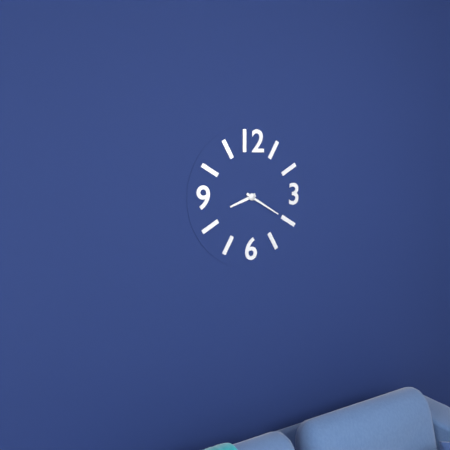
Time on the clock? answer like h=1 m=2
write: h=8 m=20
